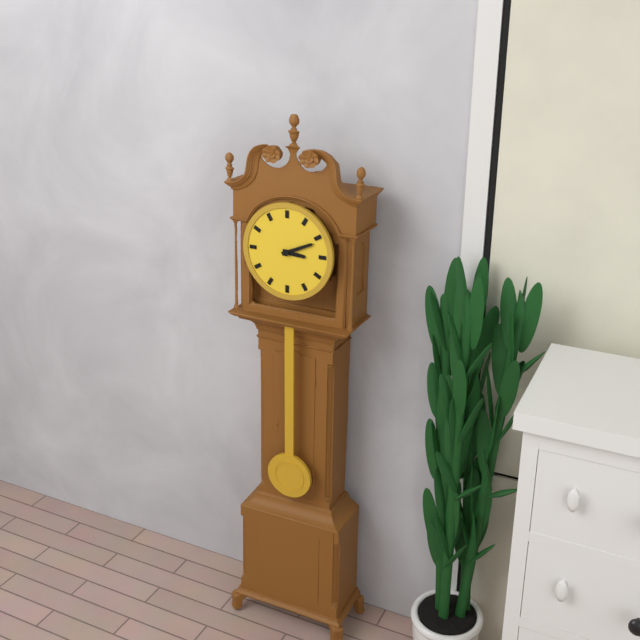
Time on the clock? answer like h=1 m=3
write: h=3 m=11
